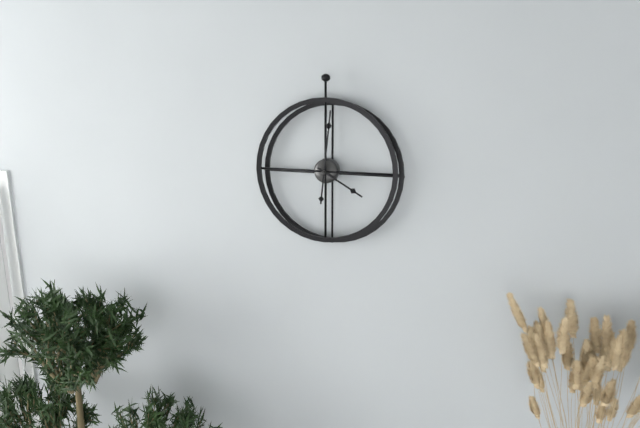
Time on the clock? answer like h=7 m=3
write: h=4 m=1
